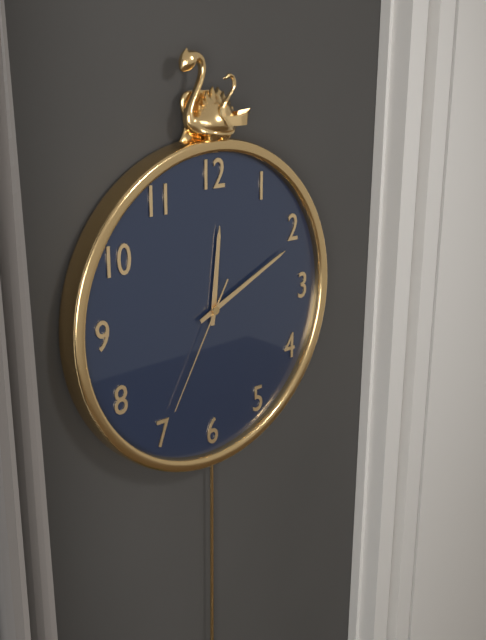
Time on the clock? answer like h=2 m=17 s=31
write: h=12 m=11 s=35
